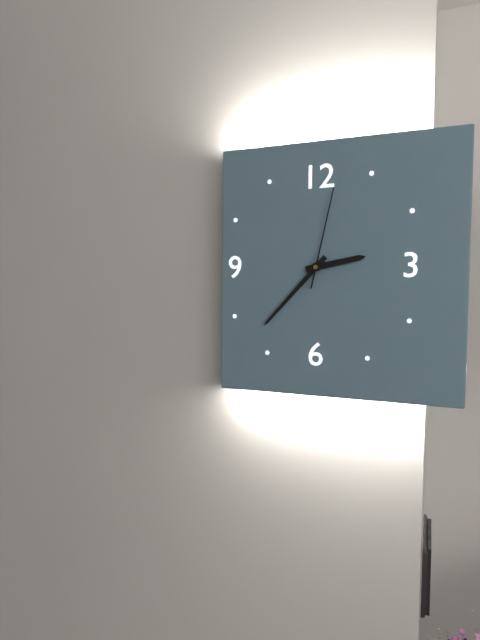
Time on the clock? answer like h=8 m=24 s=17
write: h=2 m=37 s=2
